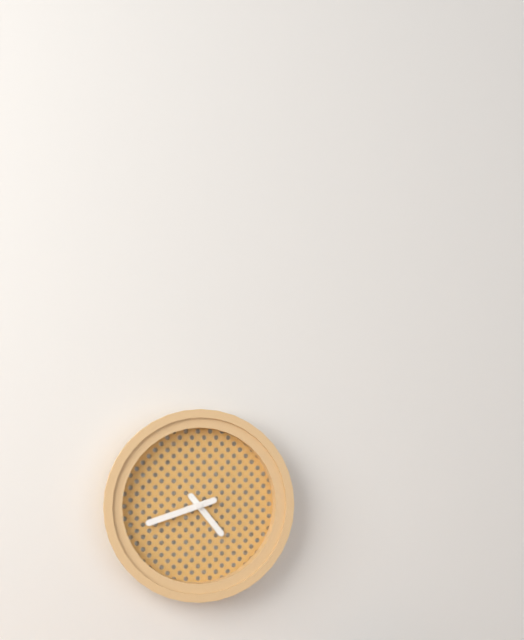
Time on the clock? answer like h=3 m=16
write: h=4 m=42
